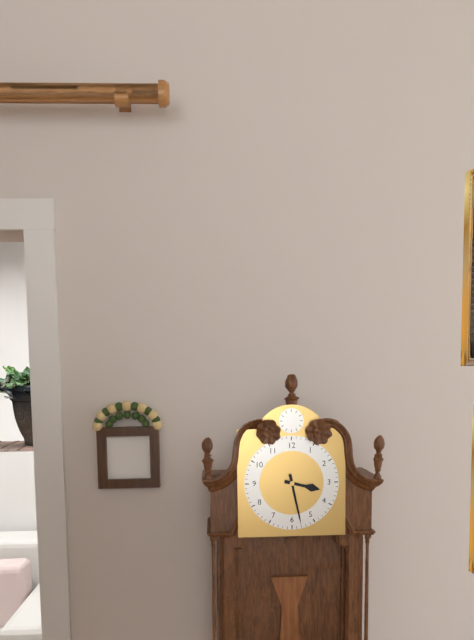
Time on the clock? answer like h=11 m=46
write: h=3 m=28
